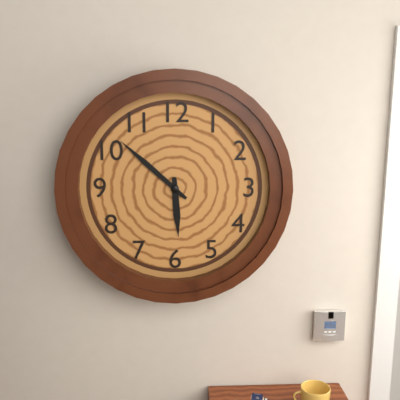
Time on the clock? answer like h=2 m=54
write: h=5 m=52
